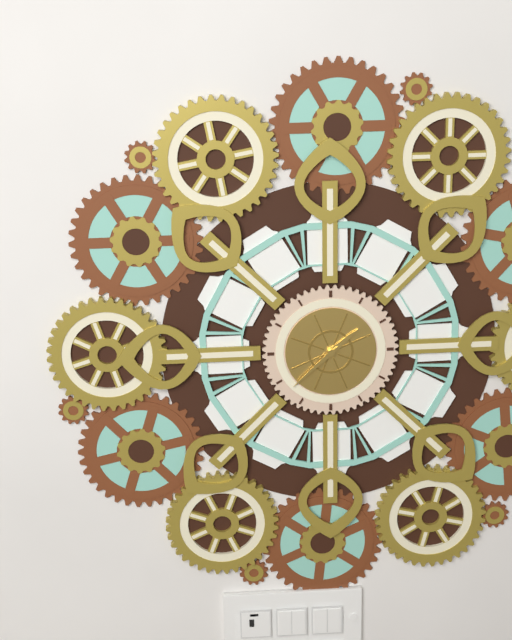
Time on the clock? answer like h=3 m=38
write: h=1 m=38
